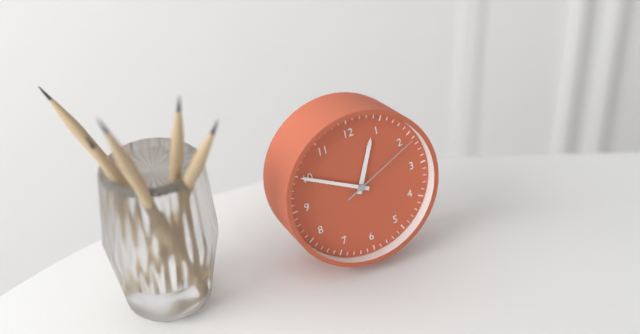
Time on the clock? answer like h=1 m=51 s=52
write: h=12 m=50 s=11
